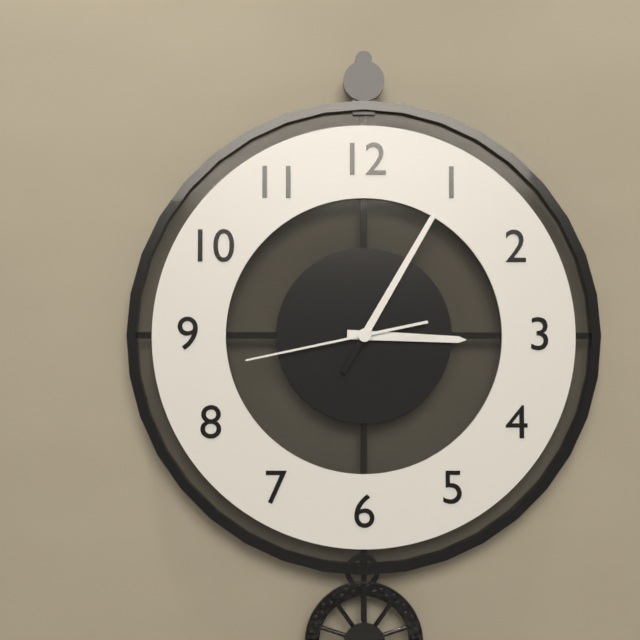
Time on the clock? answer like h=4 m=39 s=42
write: h=3 m=5 s=43
